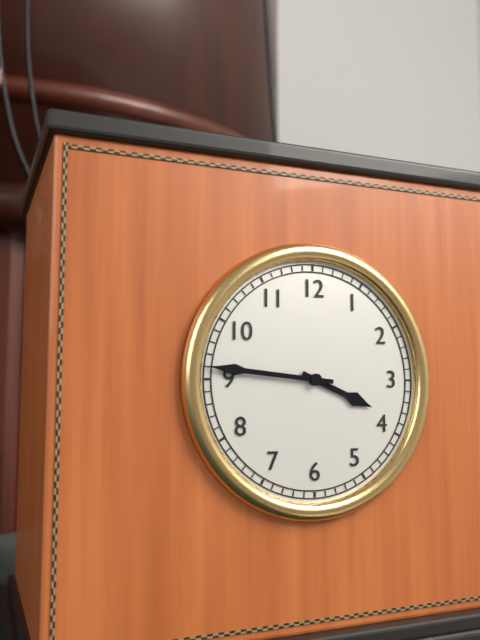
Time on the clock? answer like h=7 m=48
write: h=3 m=46
